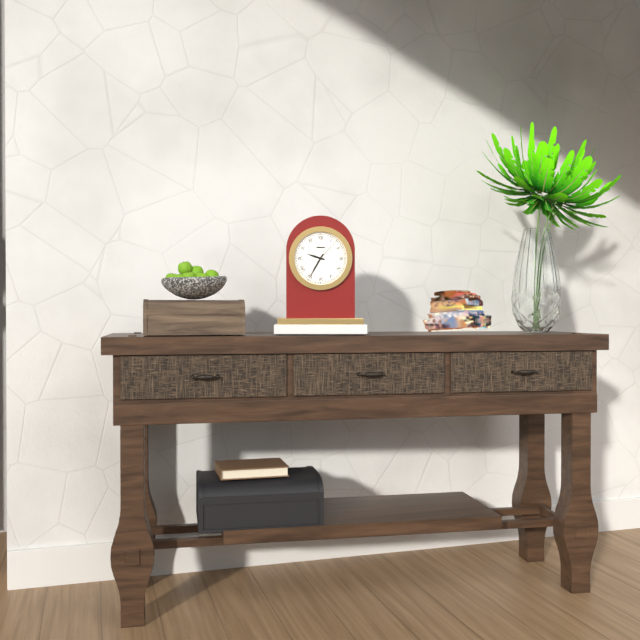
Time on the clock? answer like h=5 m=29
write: h=9 m=35
